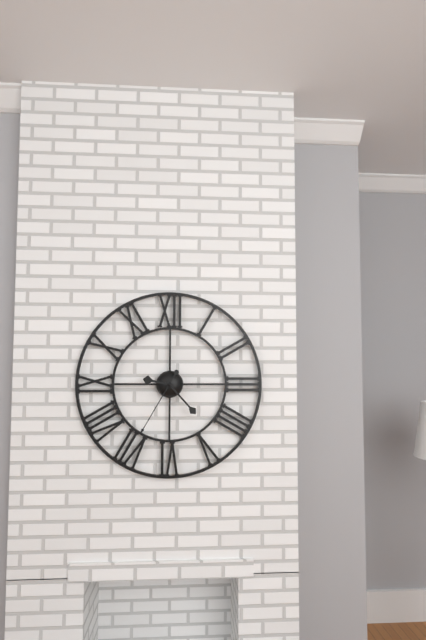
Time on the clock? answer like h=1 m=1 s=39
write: h=9 m=23 s=35
